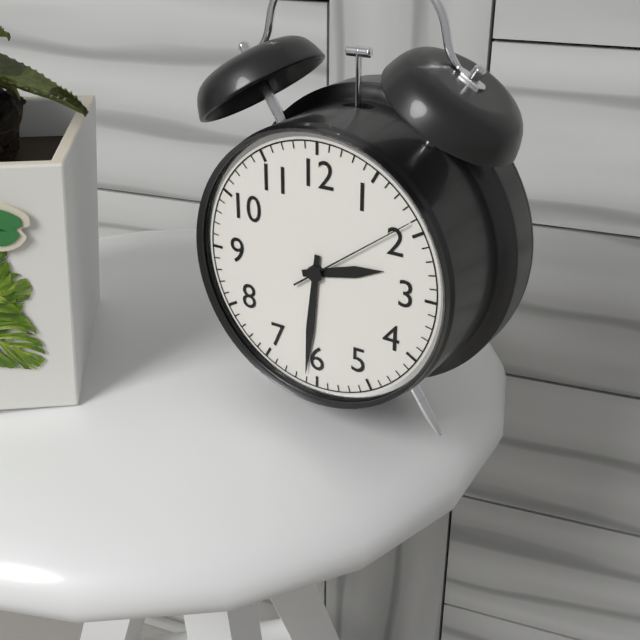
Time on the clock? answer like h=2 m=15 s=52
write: h=2 m=31 s=9
